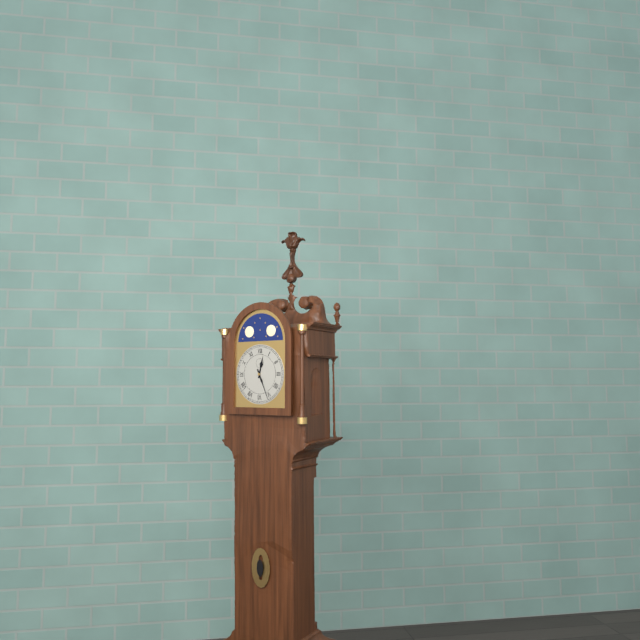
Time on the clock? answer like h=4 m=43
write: h=12 m=26
